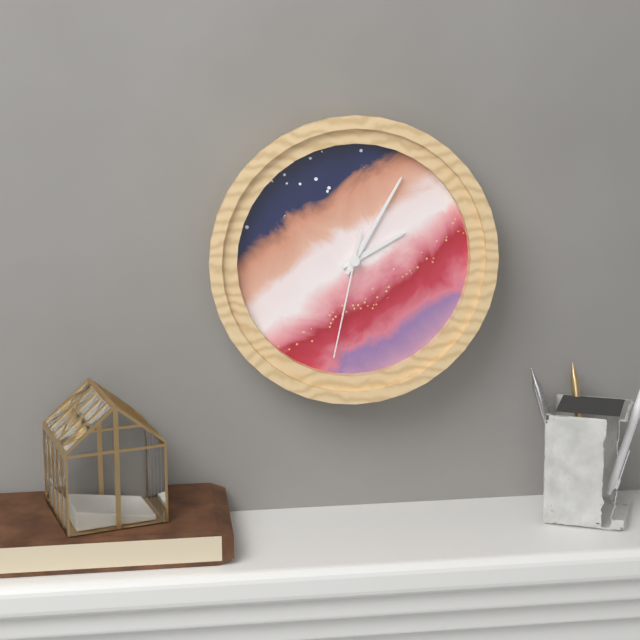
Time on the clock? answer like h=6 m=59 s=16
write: h=2 m=5 s=32
